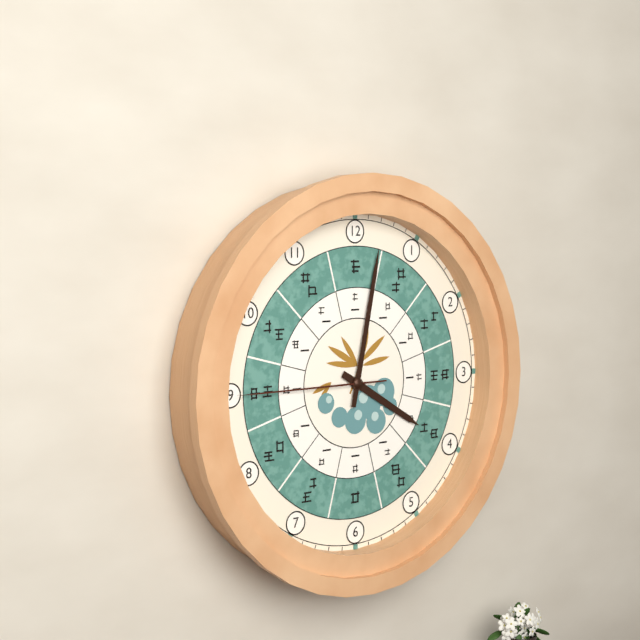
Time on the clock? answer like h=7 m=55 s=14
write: h=4 m=2 s=45
